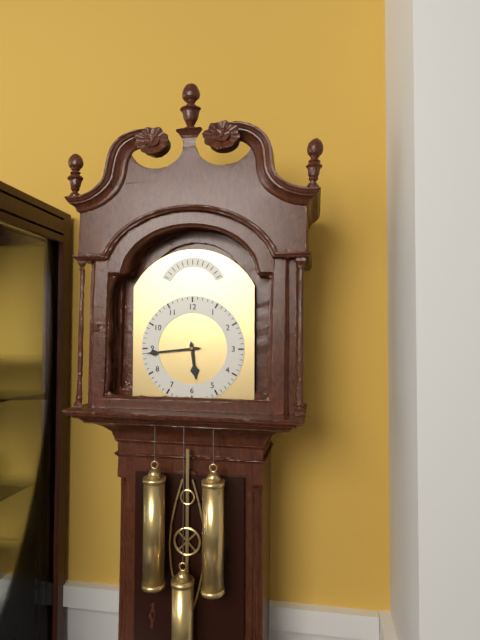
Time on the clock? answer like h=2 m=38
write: h=5 m=44
